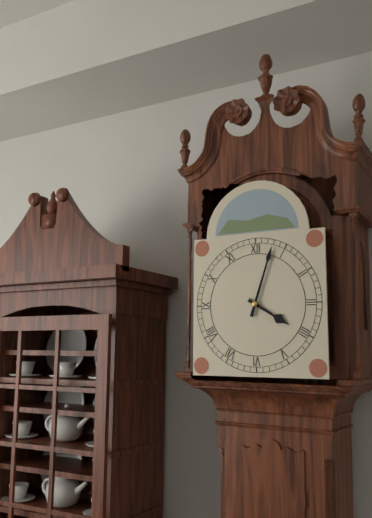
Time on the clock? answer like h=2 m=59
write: h=4 m=3
